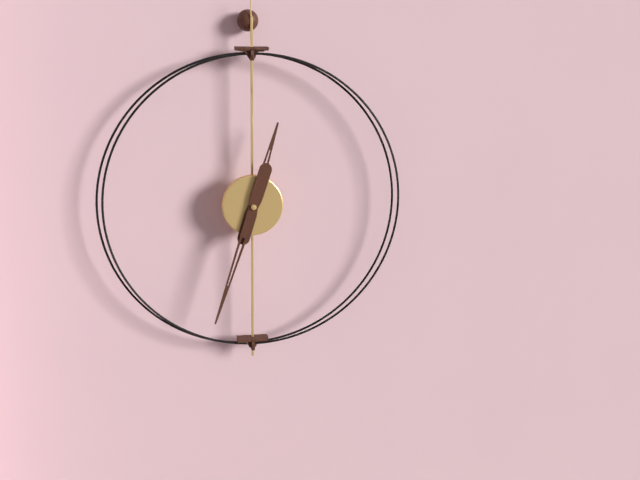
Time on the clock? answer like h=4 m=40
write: h=12 m=33
